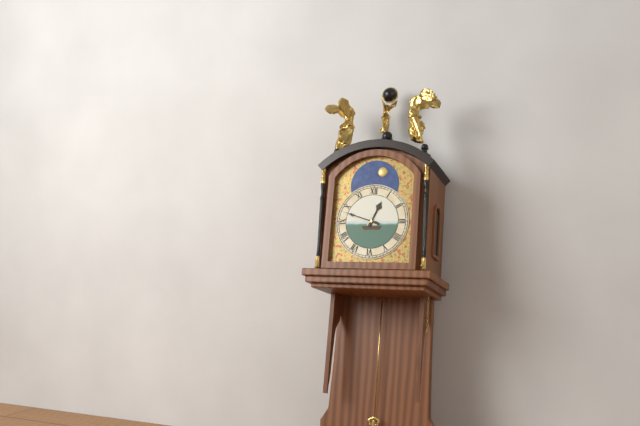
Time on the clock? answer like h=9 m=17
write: h=12 m=48
